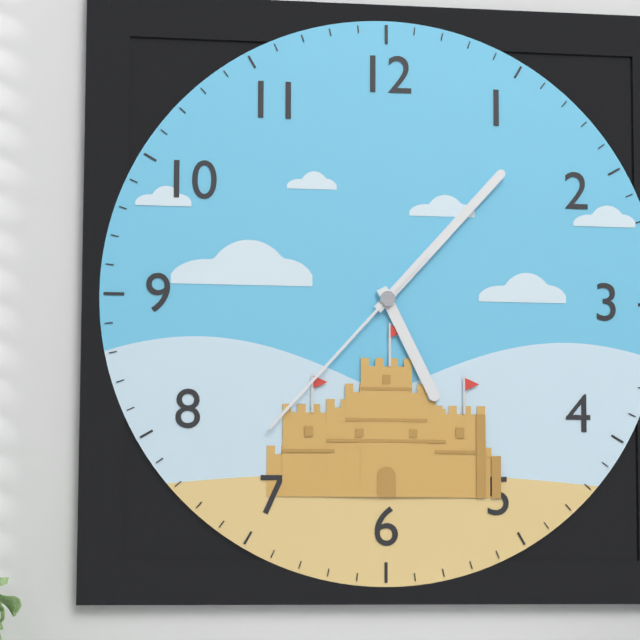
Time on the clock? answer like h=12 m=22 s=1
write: h=5 m=7 s=37
